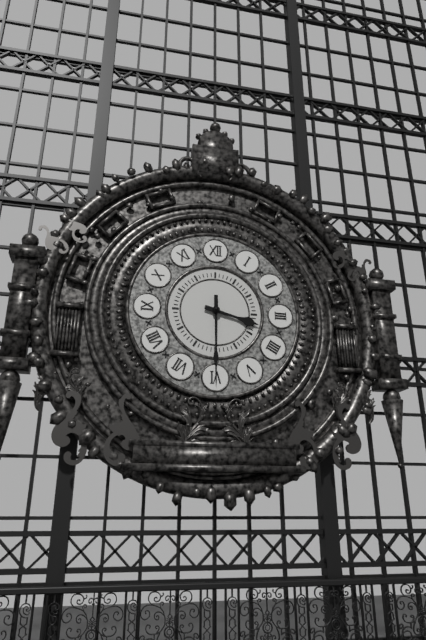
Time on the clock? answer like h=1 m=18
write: h=3 m=30
